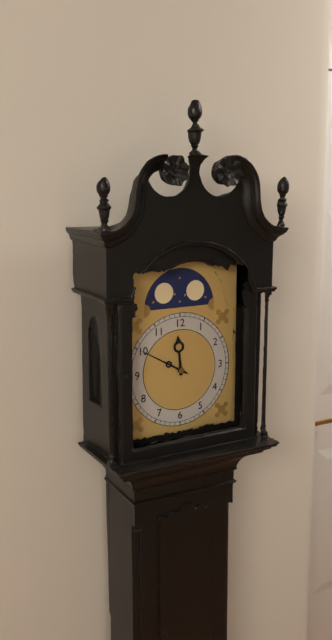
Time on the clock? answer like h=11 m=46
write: h=11 m=50
